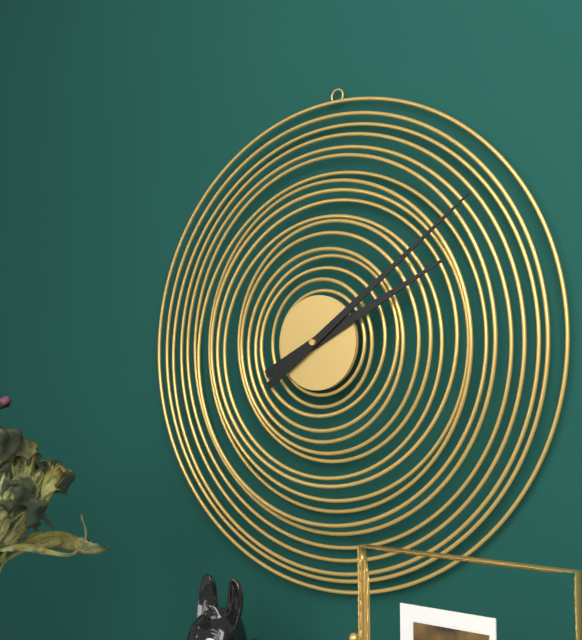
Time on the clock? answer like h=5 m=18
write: h=2 m=9
